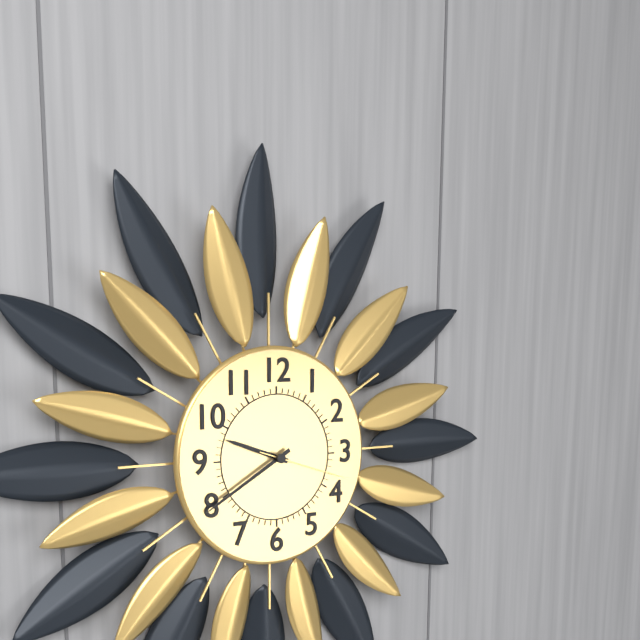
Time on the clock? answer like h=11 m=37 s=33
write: h=9 m=40 s=18
